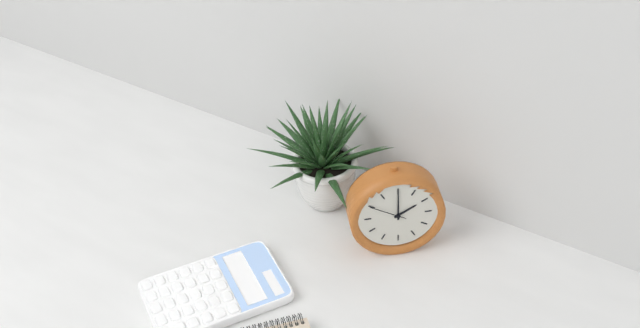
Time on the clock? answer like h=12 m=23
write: h=2 m=0
